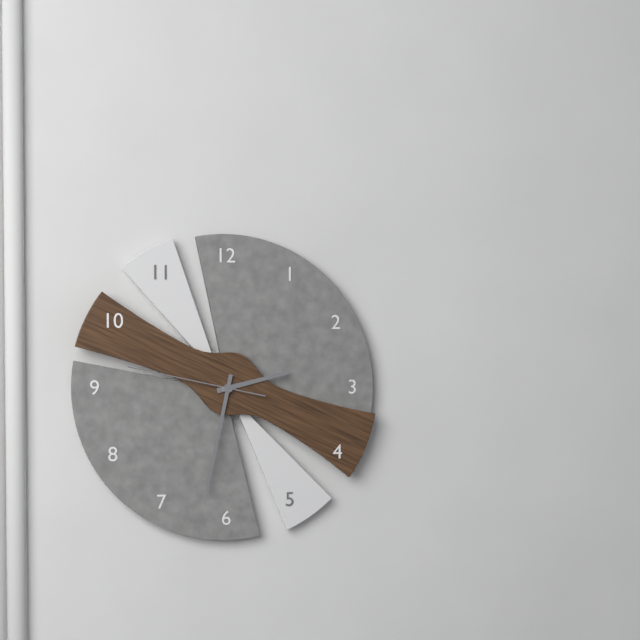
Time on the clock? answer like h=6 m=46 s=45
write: h=2 m=32 s=47
